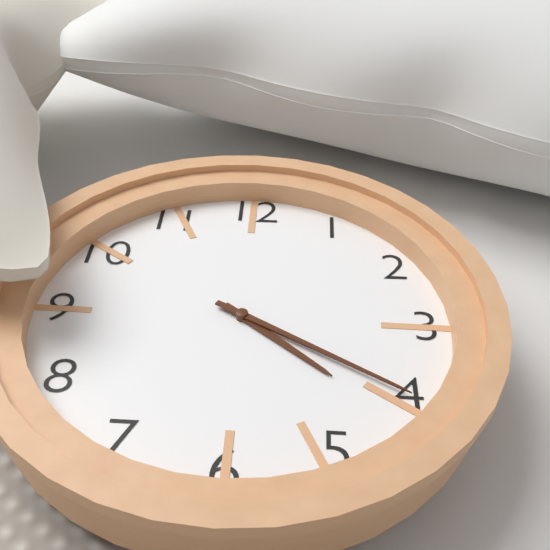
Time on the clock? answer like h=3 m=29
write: h=4 m=20
